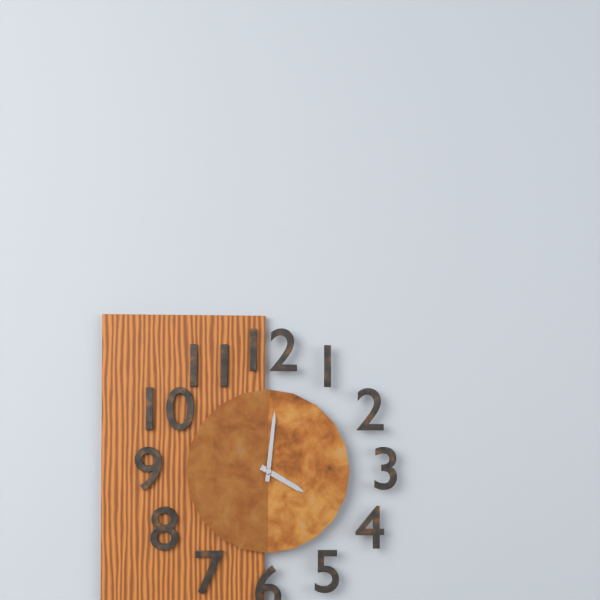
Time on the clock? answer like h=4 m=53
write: h=4 m=1
